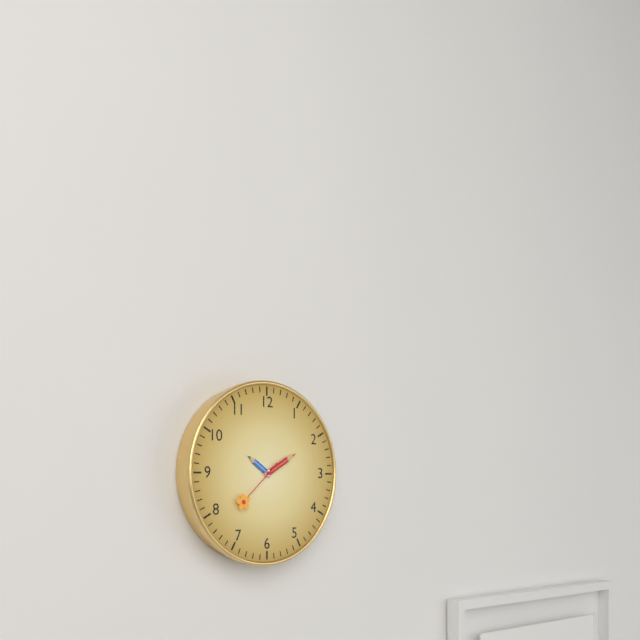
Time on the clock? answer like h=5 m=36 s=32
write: h=10 m=10 s=38
